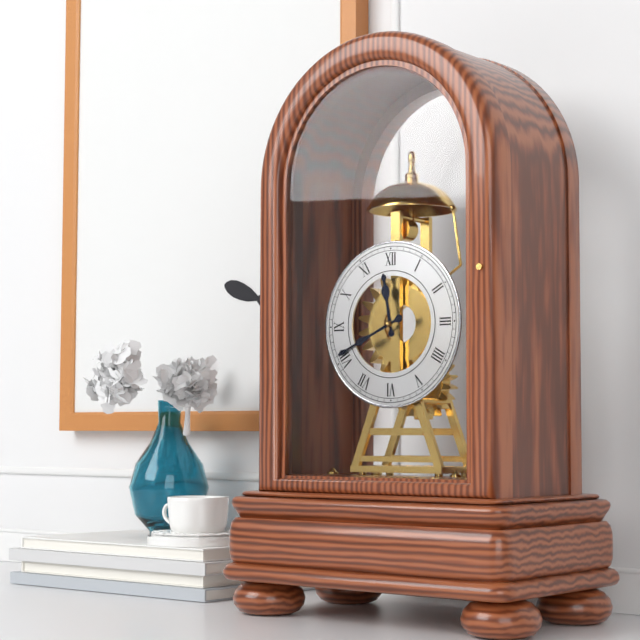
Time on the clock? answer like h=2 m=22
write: h=11 m=41
